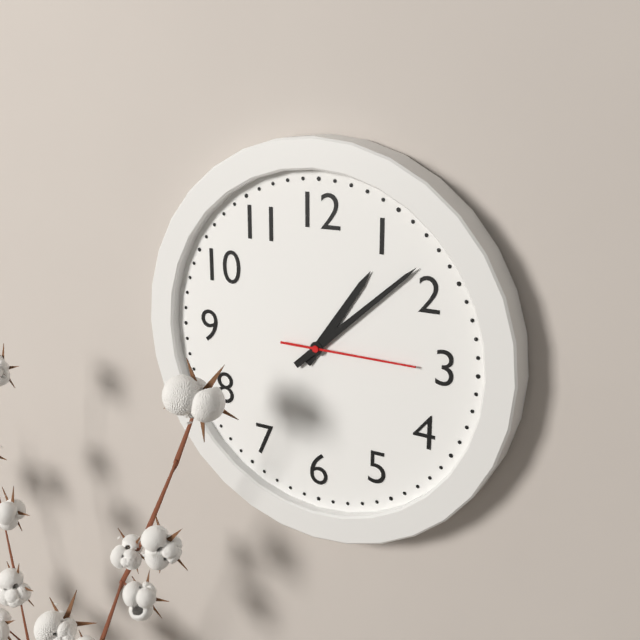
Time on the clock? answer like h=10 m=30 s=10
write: h=1 m=8 s=15
